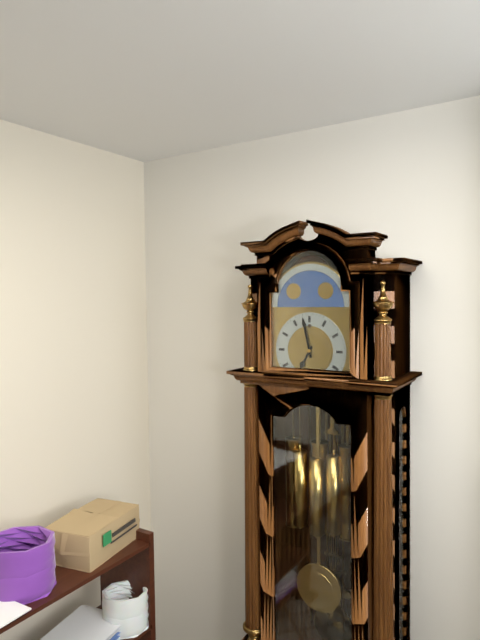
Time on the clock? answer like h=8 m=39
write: h=6 m=58
